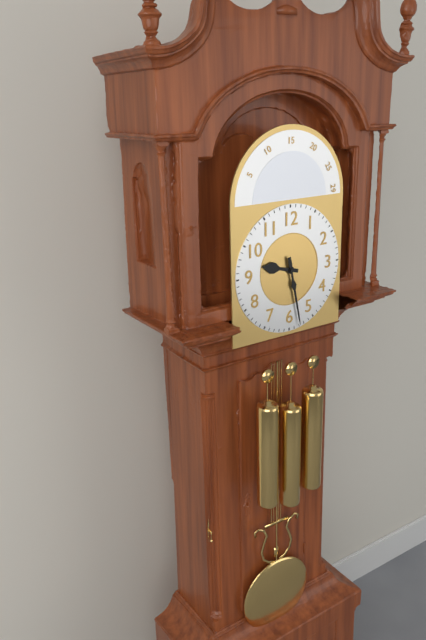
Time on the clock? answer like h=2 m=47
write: h=9 m=28
